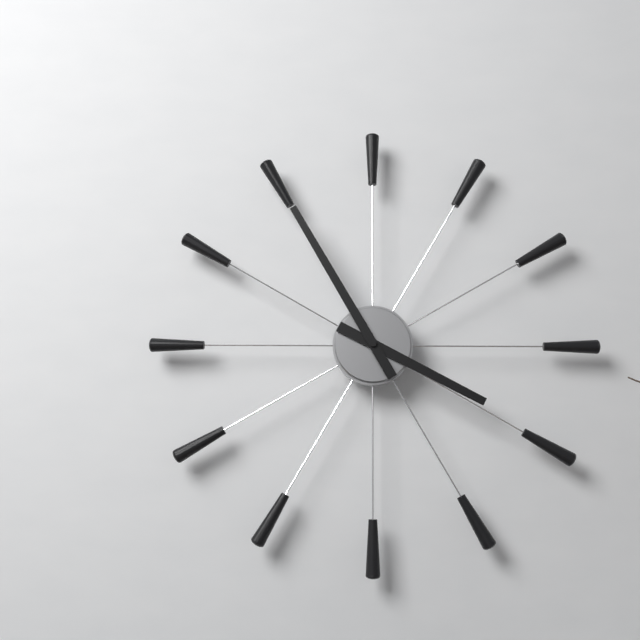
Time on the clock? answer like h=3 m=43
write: h=3 m=55
